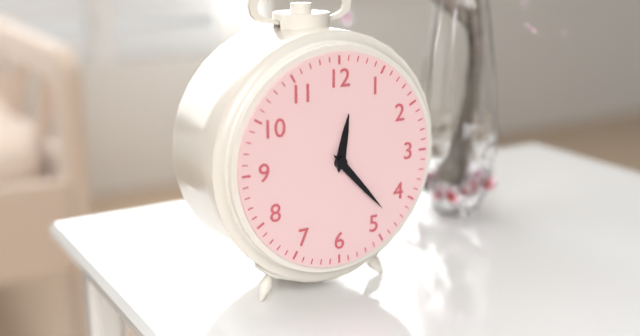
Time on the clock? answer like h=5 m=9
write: h=12 m=23
